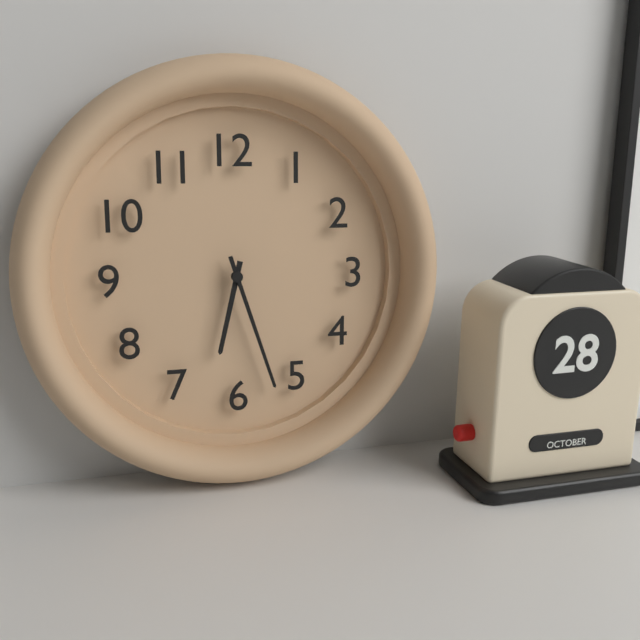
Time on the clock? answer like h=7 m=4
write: h=6 m=27
